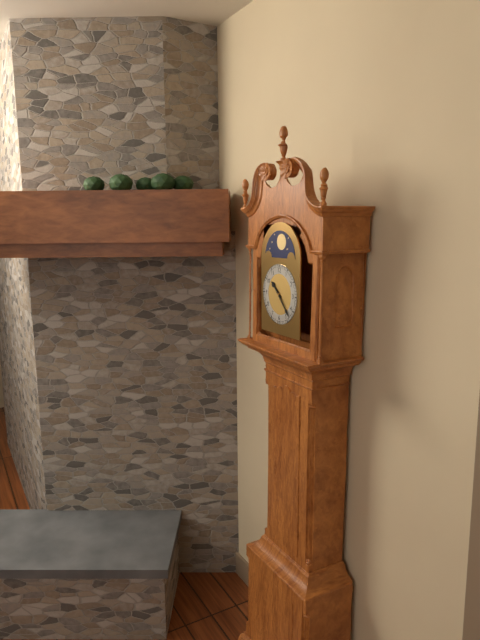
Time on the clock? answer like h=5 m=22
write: h=10 m=23
